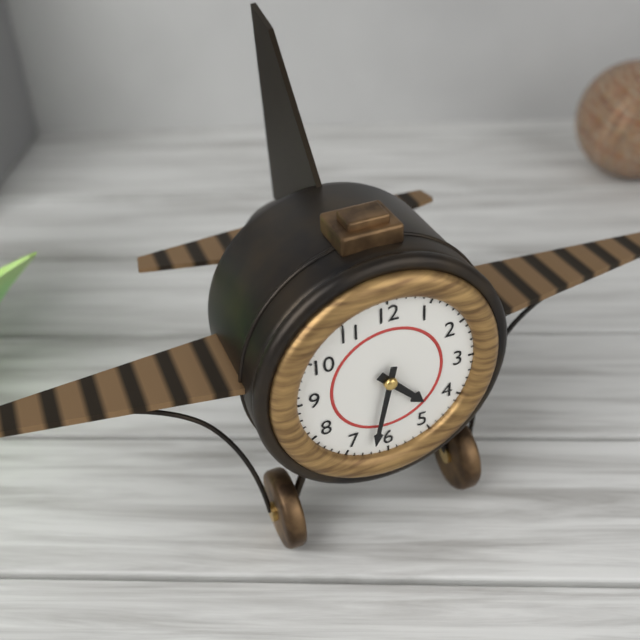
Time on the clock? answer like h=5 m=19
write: h=4 m=32
